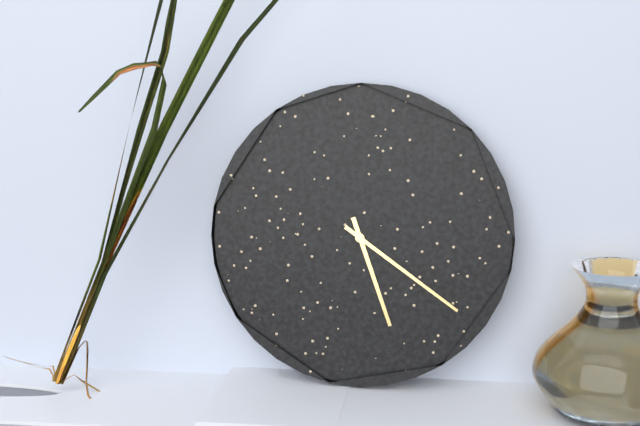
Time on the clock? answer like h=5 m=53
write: h=5 m=21
